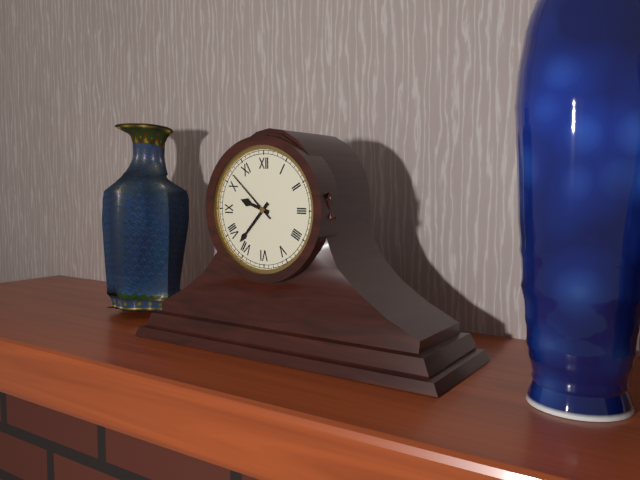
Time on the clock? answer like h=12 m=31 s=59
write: h=9 m=37 s=52
